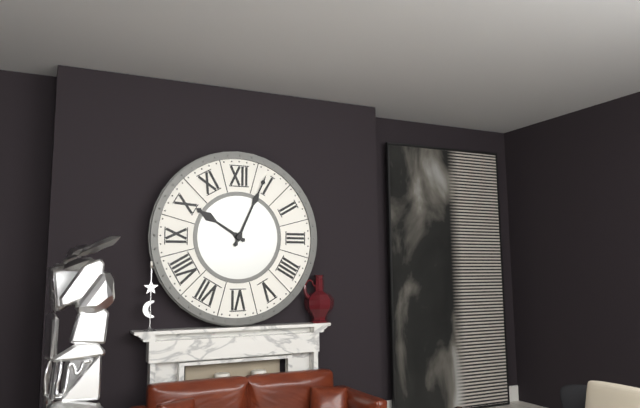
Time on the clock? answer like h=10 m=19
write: h=10 m=4
